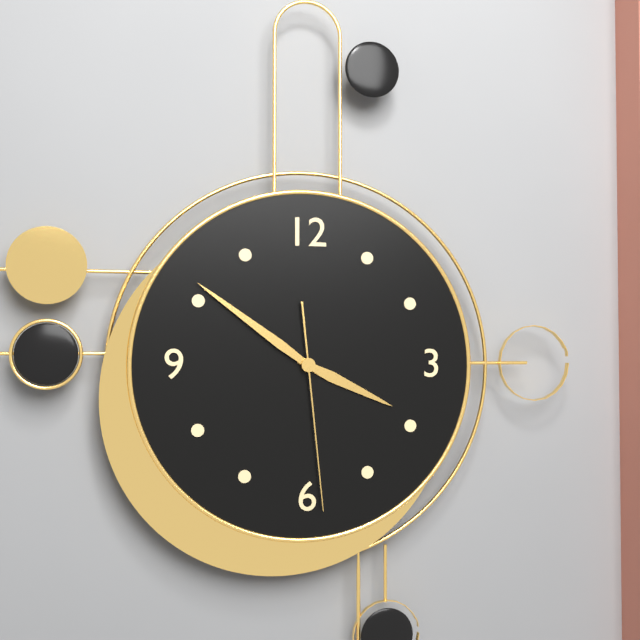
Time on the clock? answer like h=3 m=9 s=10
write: h=3 m=51 s=29
